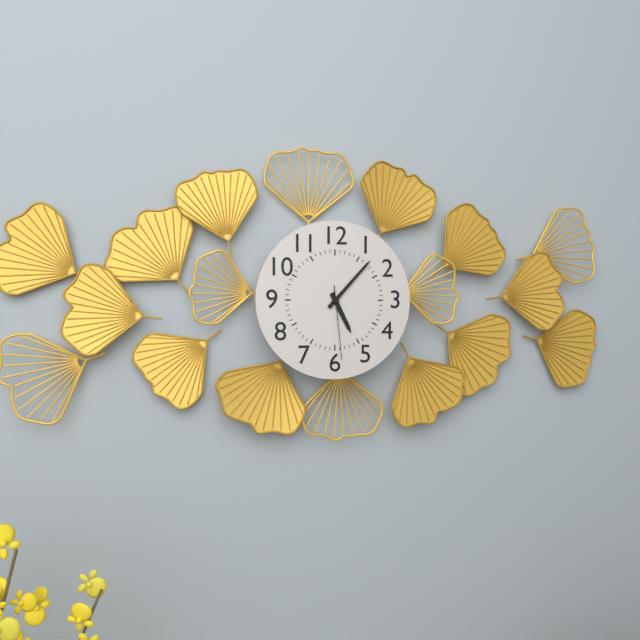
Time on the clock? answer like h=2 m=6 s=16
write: h=5 m=7 s=29
